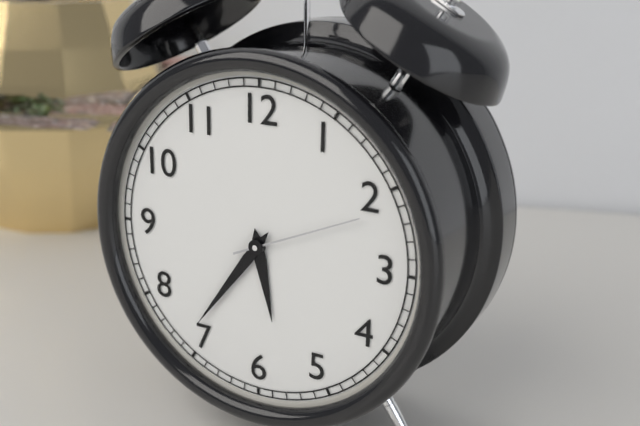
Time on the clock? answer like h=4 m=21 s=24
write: h=5 m=36 s=11
